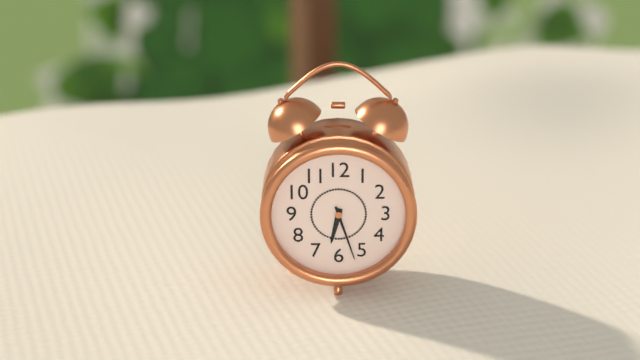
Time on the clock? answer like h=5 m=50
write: h=6 m=27
